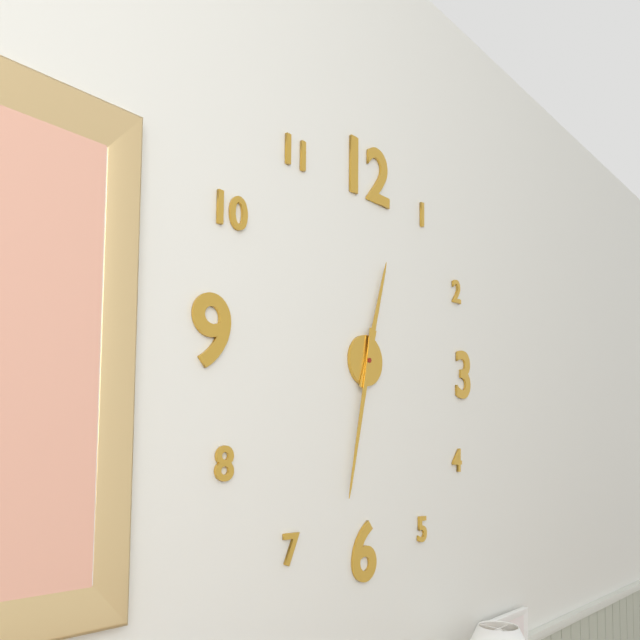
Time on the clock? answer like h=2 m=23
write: h=12 m=32
